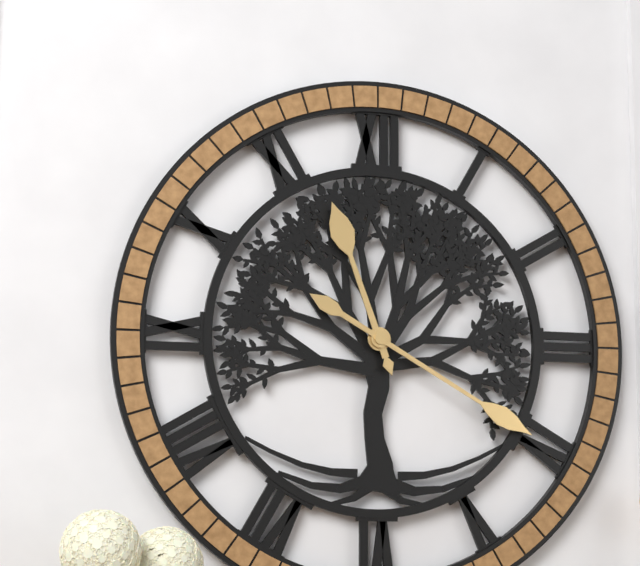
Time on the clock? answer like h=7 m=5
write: h=11 m=20
